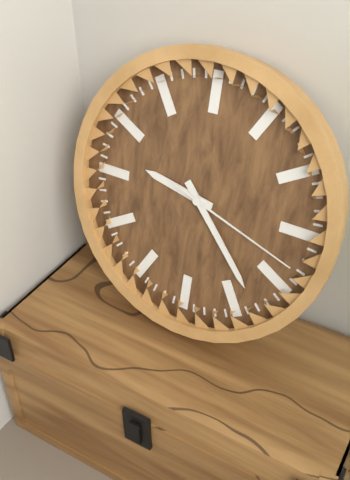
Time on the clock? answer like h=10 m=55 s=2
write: h=9 m=23 s=18
